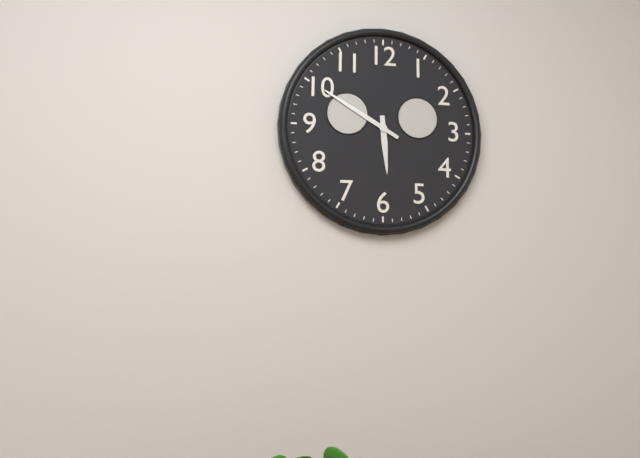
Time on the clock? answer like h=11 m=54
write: h=5 m=50
